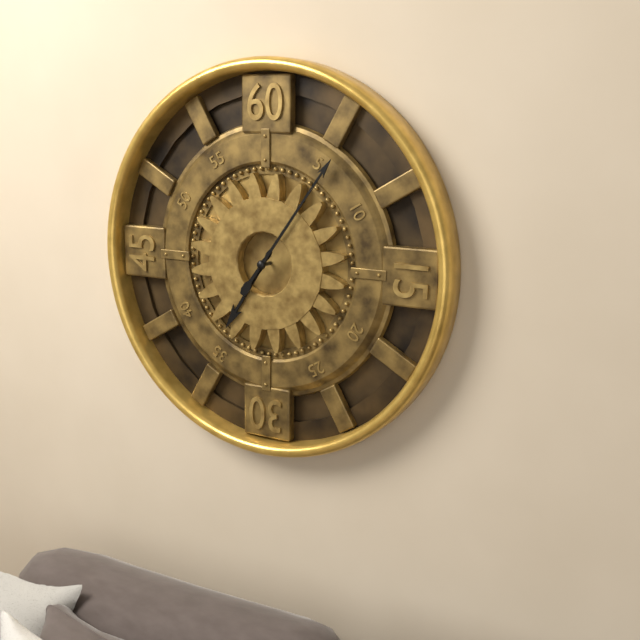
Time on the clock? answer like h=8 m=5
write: h=7 m=6
